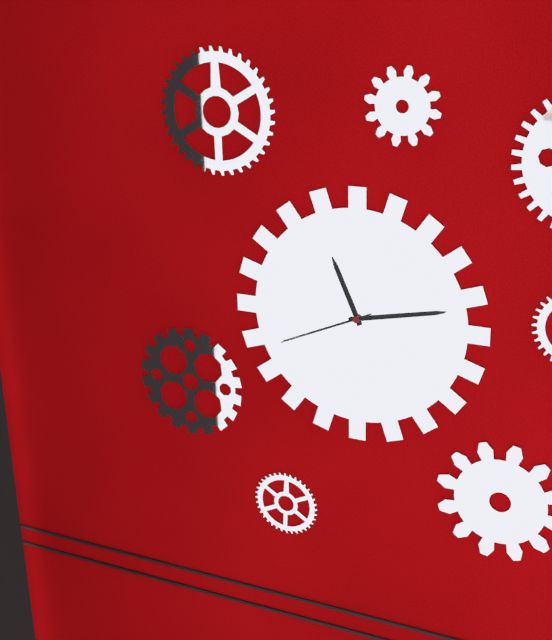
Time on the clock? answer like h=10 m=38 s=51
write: h=11 m=13 s=41
